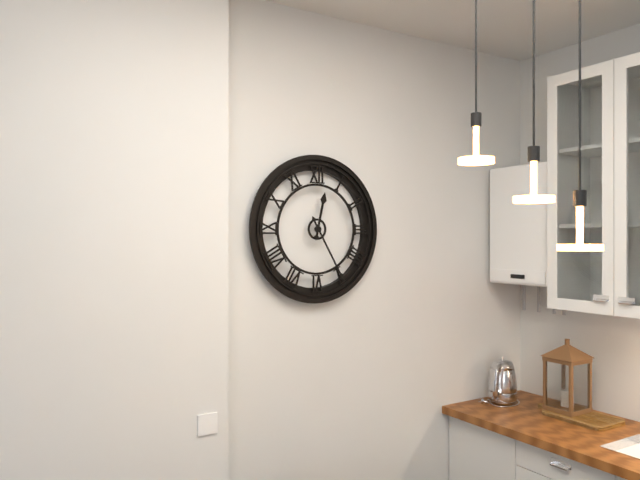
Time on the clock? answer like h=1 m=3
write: h=12 m=25
